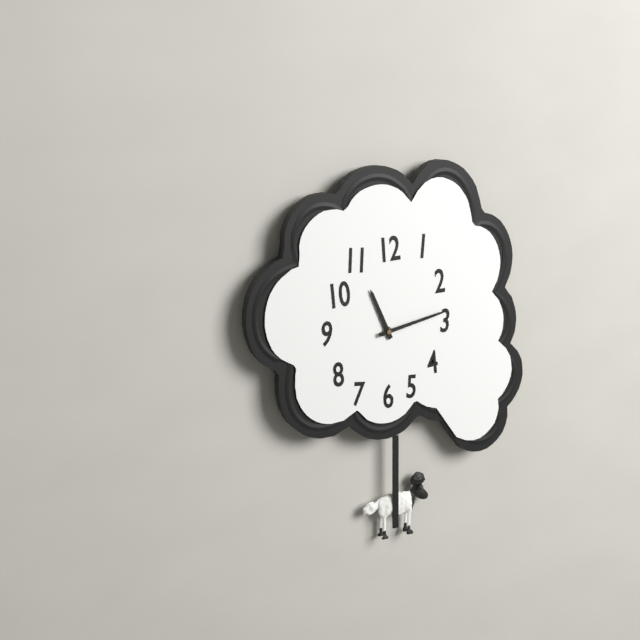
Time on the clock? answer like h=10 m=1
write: h=11 m=13
